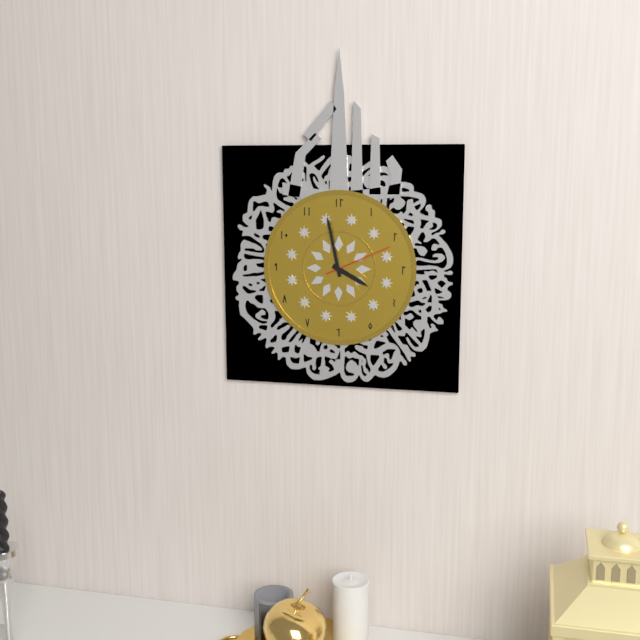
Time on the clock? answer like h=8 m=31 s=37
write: h=3 m=58 s=11
